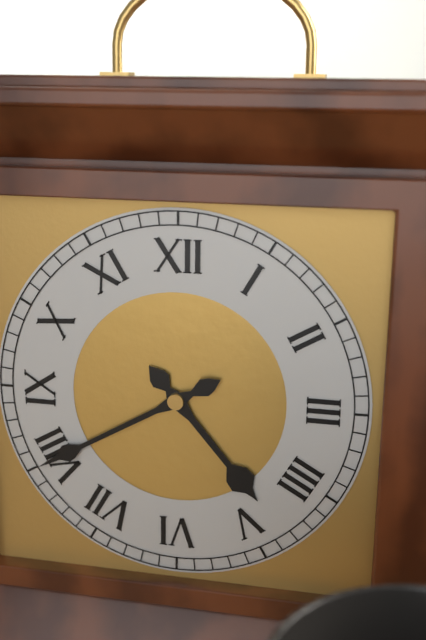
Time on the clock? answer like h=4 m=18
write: h=4 m=40
